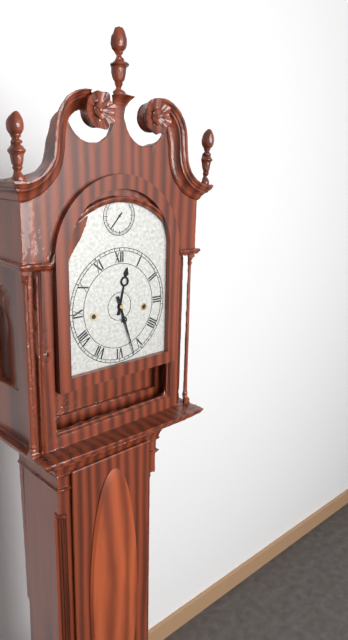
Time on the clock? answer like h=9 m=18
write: h=12 m=27
